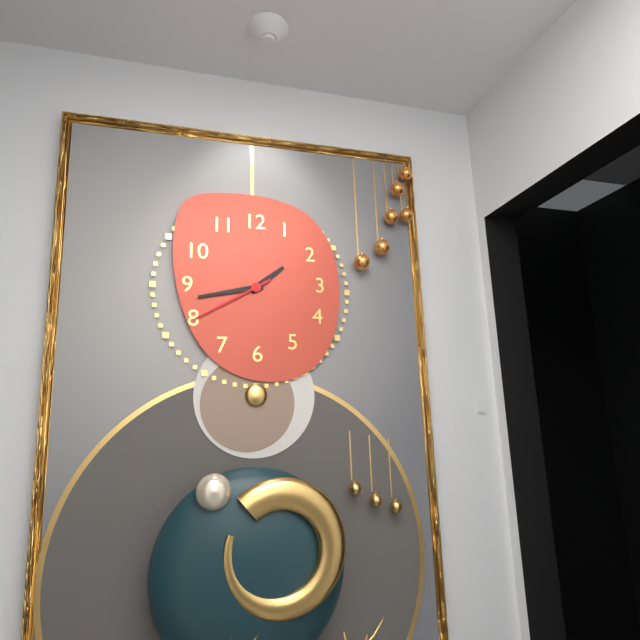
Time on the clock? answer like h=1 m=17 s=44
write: h=1 m=43 s=40
